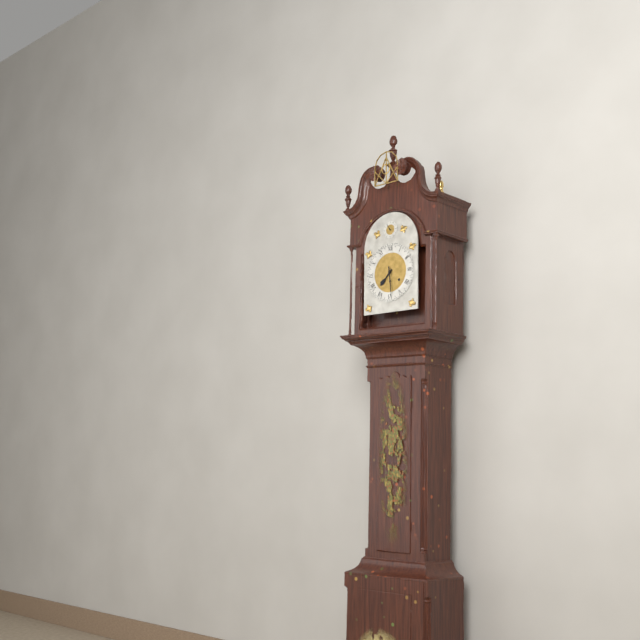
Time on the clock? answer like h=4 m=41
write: h=7 m=29
